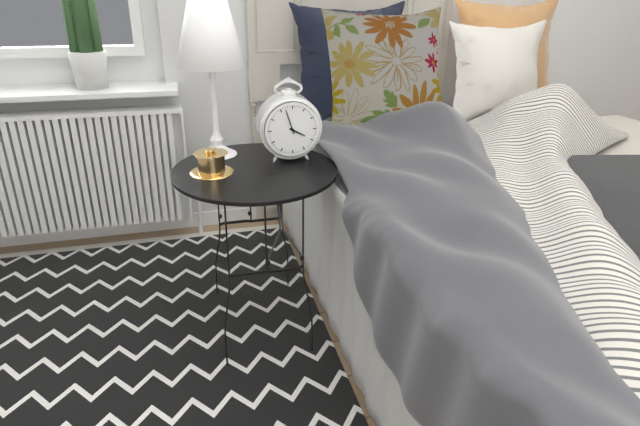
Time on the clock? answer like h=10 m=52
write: h=3 m=57
